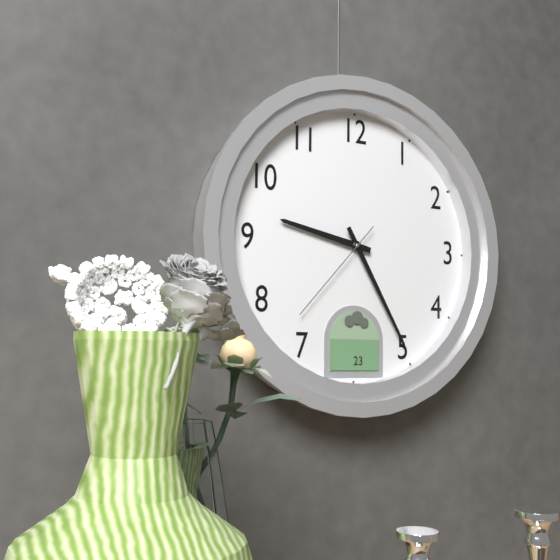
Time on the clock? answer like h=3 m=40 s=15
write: h=9 m=25 s=37
